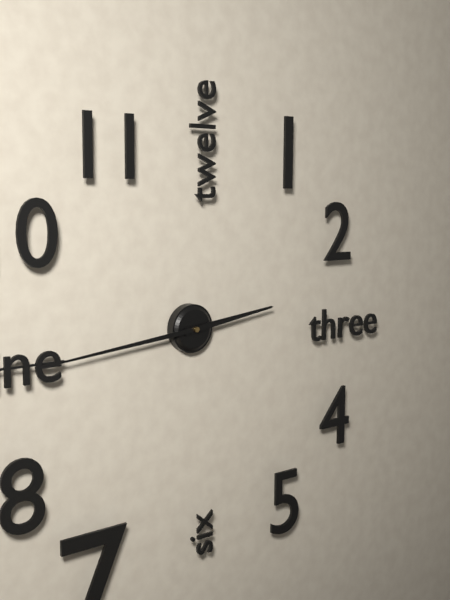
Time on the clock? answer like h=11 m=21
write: h=2 m=44
